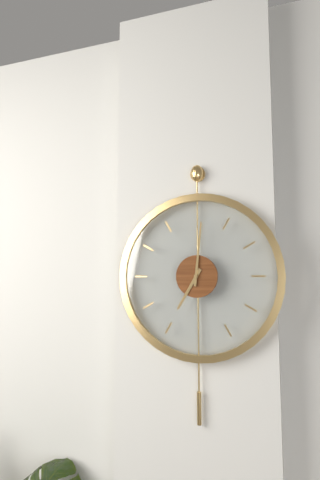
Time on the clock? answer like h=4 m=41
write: h=7 m=1
